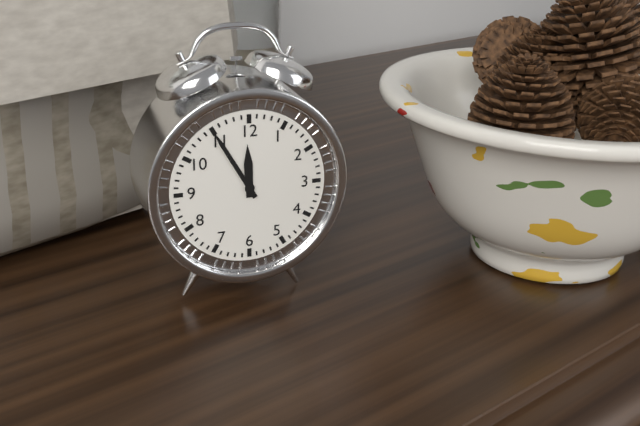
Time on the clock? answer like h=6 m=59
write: h=11 m=55
